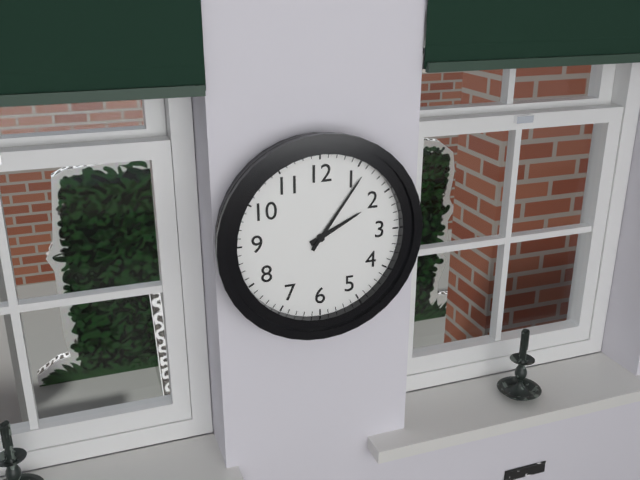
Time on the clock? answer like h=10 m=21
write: h=2 m=6
